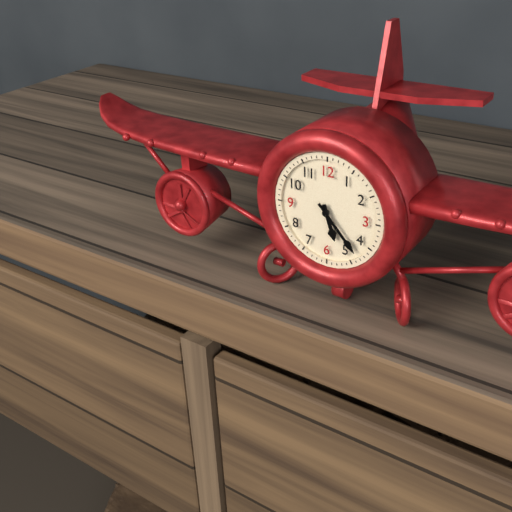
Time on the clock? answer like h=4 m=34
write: h=5 m=23
